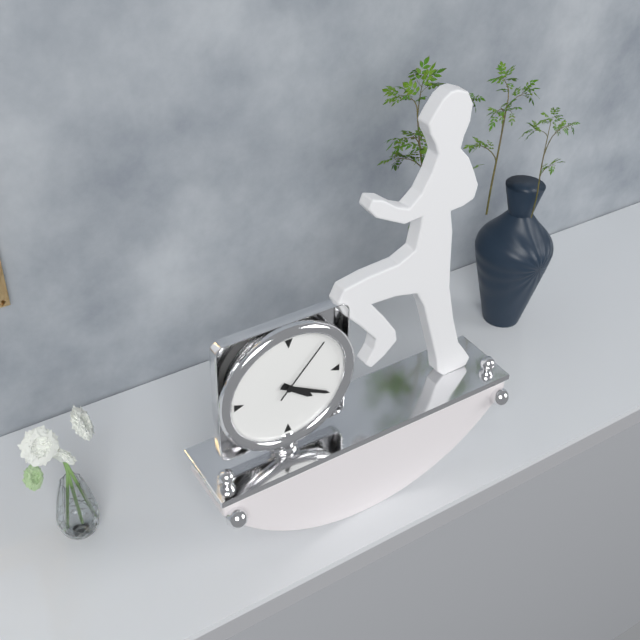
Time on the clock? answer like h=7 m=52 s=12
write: h=4 m=20 s=7
